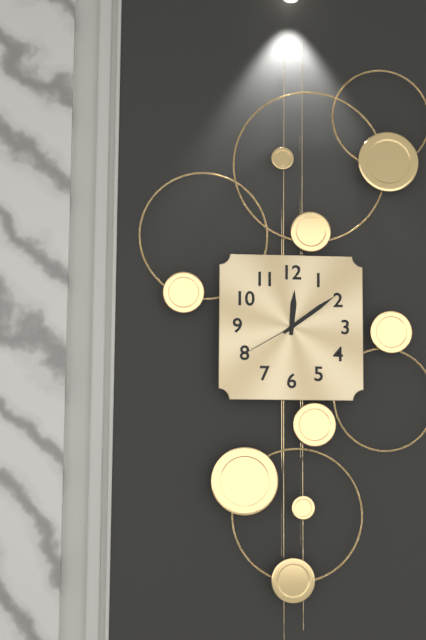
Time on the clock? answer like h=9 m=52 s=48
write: h=12 m=9 s=40
